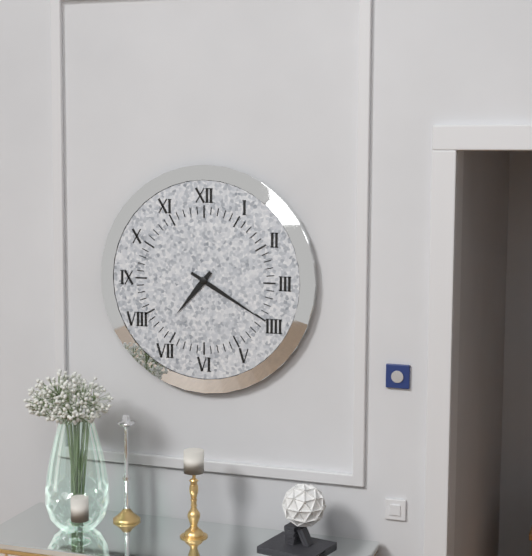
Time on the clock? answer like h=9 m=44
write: h=7 m=20
